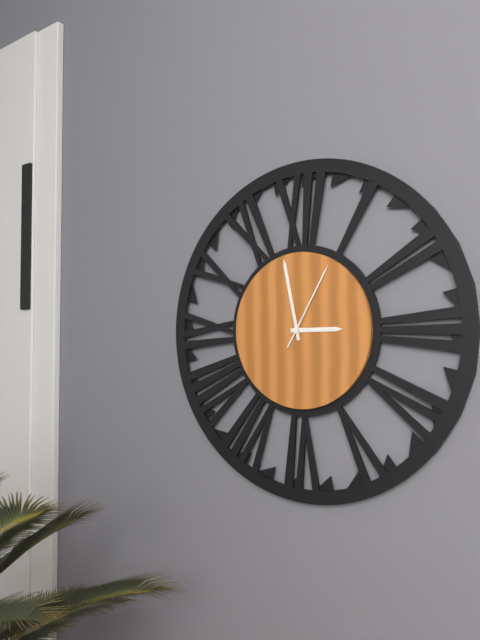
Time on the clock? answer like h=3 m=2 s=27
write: h=2 m=58 s=5
